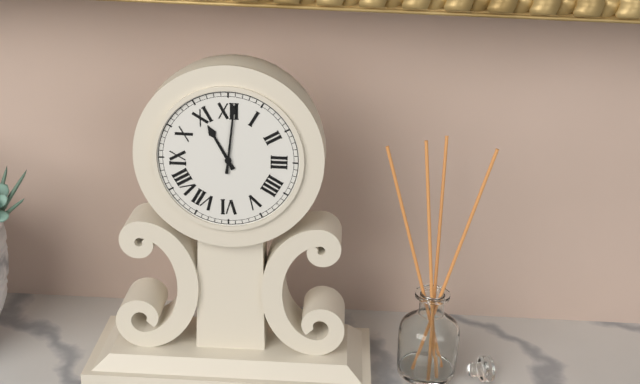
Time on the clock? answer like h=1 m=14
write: h=11 m=1
